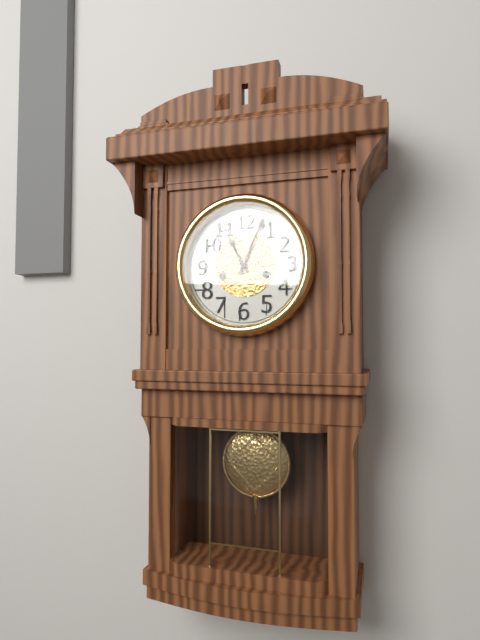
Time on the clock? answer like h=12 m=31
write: h=11 m=4
